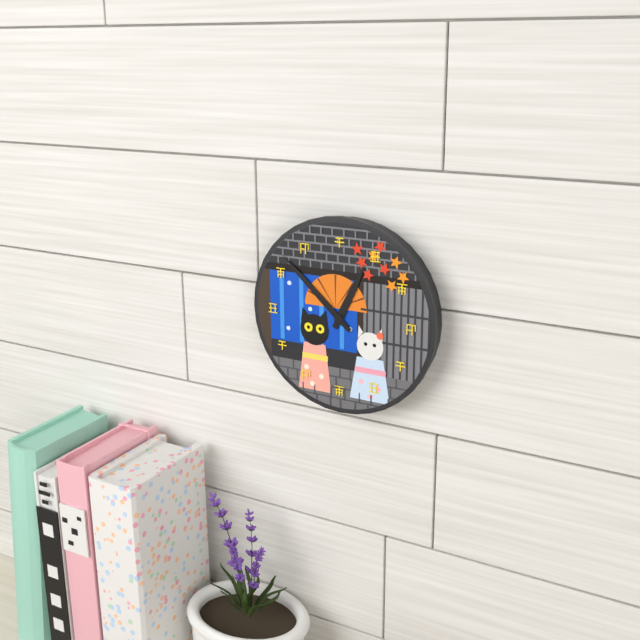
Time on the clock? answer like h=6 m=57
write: h=12 m=52
